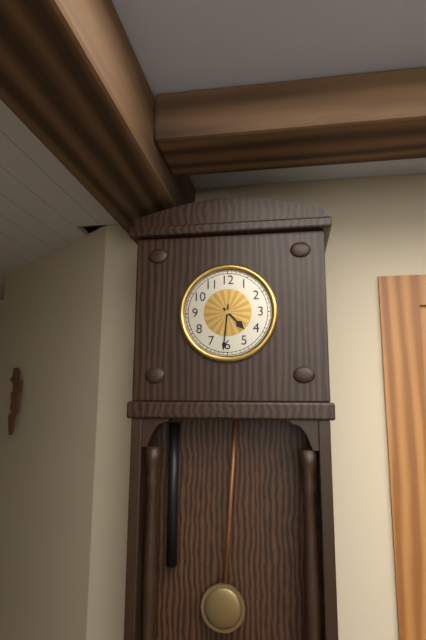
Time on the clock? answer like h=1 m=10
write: h=4 m=31
